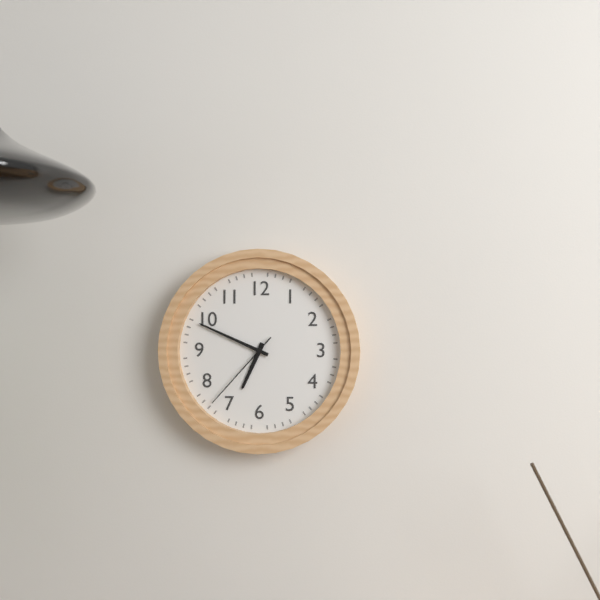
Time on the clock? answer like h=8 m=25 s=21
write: h=6 m=49 s=37
